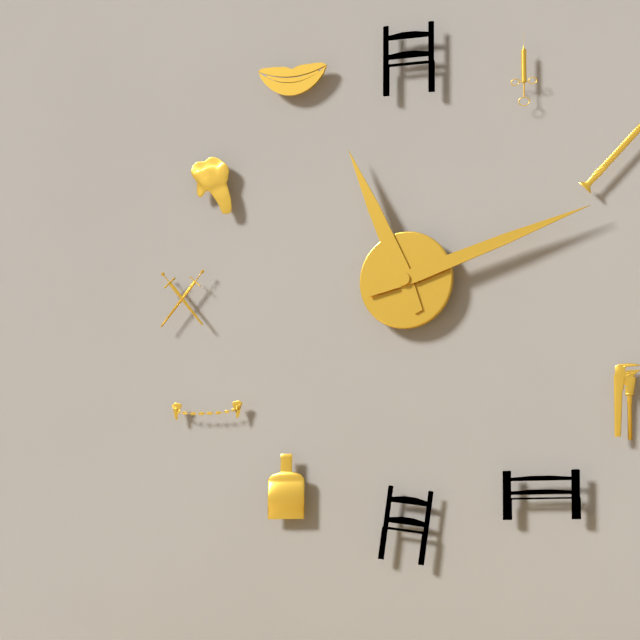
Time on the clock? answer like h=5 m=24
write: h=11 m=12
